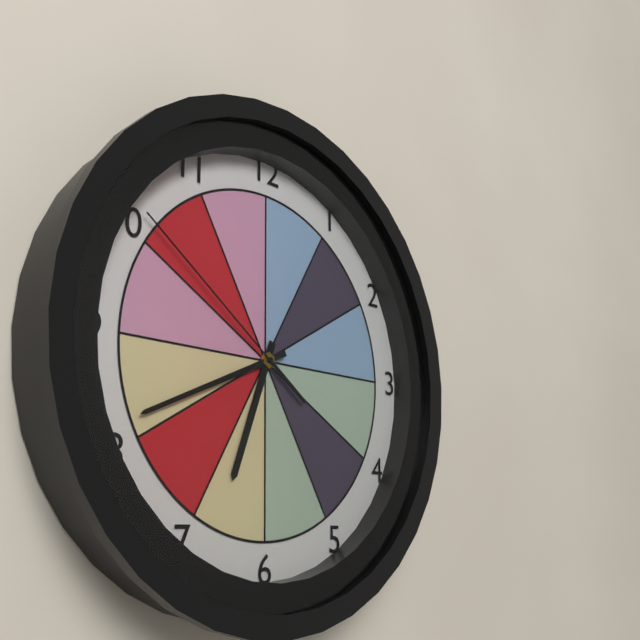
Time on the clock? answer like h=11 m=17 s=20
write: h=6 m=41 s=51
